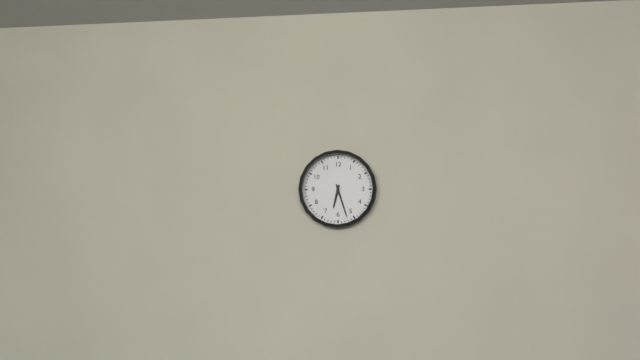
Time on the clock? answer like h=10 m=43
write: h=6 m=27
